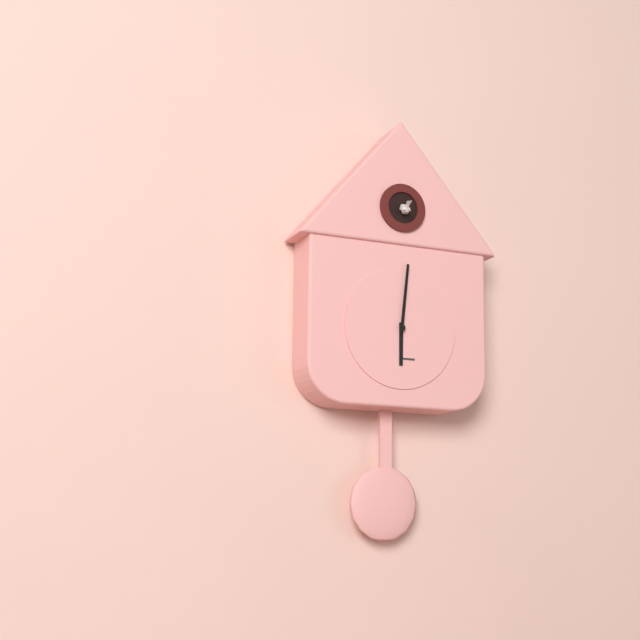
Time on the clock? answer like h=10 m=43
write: h=6 m=1
